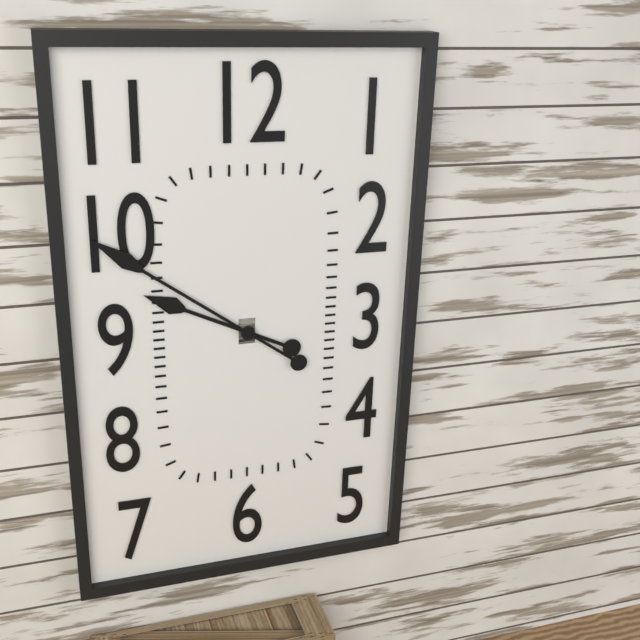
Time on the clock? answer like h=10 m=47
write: h=9 m=51
